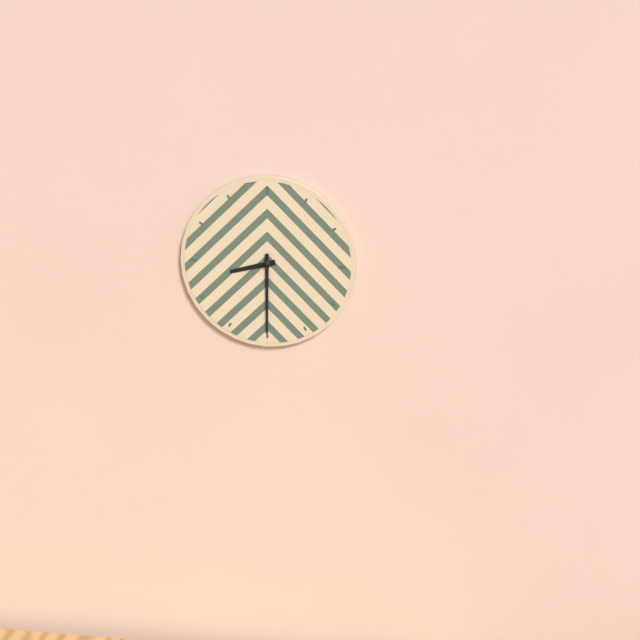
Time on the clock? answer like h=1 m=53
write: h=8 m=30
